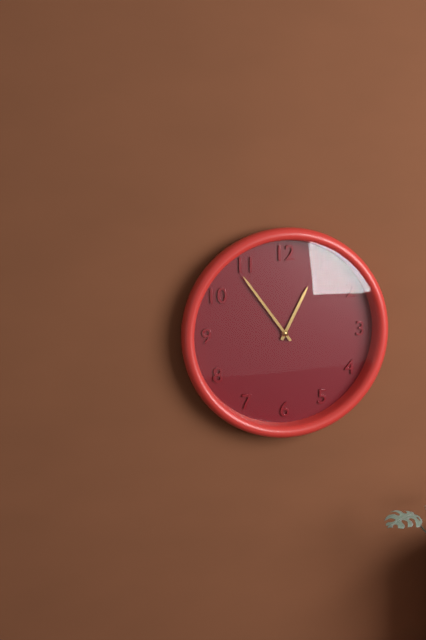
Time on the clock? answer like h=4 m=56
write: h=12 m=54
